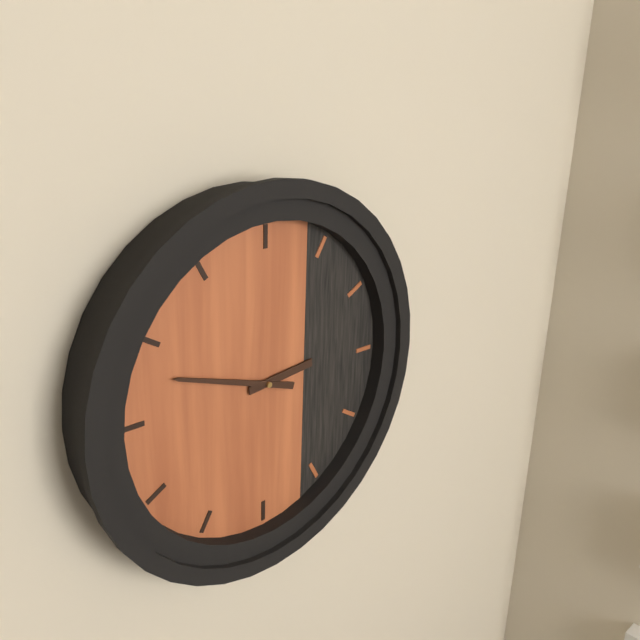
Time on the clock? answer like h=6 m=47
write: h=2 m=48
